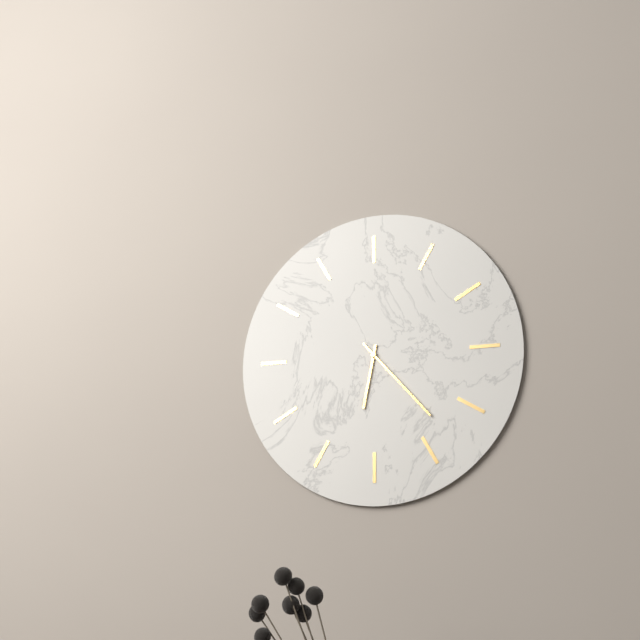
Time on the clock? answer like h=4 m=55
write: h=6 m=23
